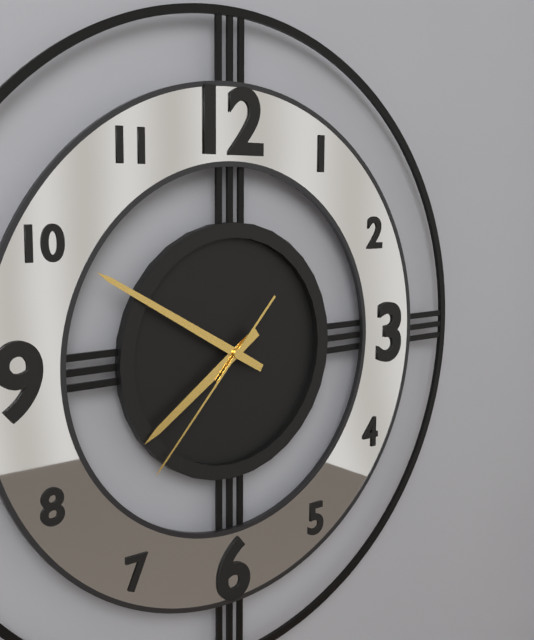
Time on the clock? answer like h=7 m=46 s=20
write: h=7 m=50 s=37
